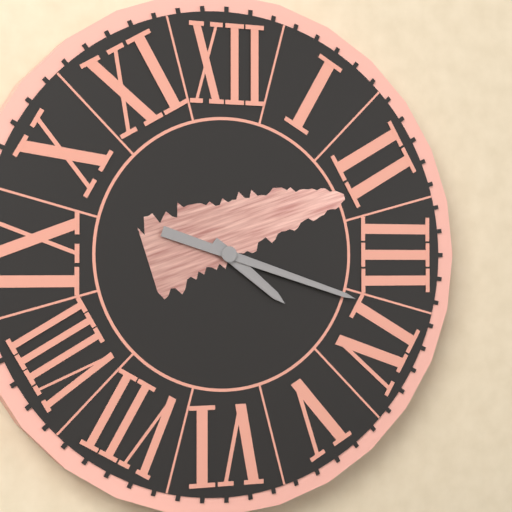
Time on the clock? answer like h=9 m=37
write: h=4 m=18
